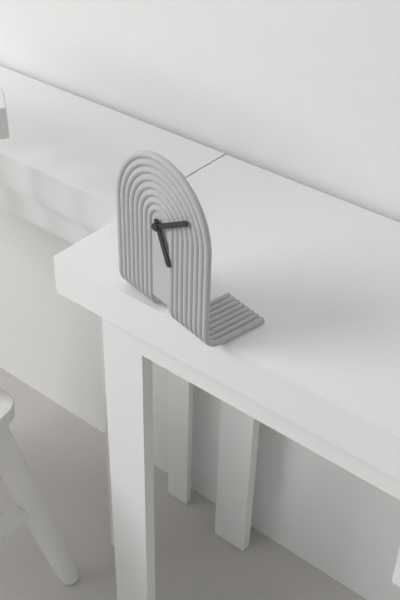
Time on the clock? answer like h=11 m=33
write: h=5 m=10
